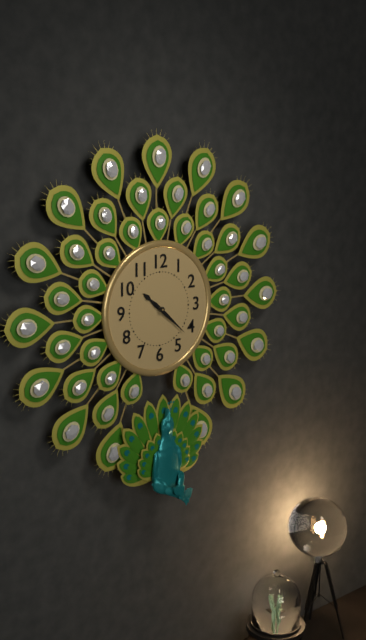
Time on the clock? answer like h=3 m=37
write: h=10 m=22
